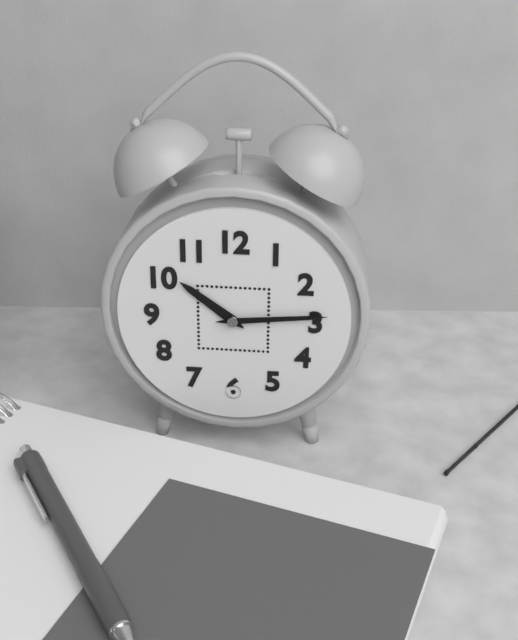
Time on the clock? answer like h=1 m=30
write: h=10 m=14
